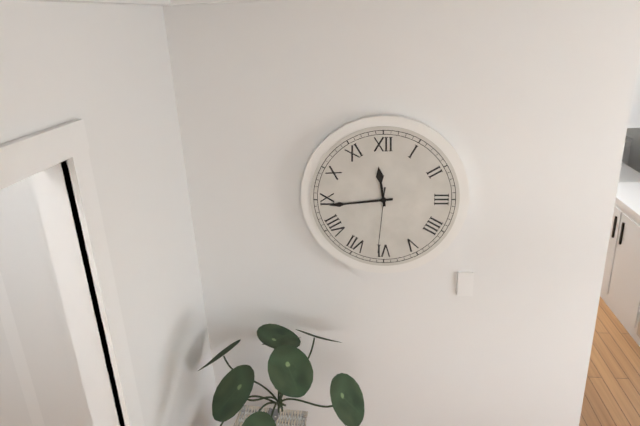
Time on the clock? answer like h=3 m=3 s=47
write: h=11 m=44 s=31
